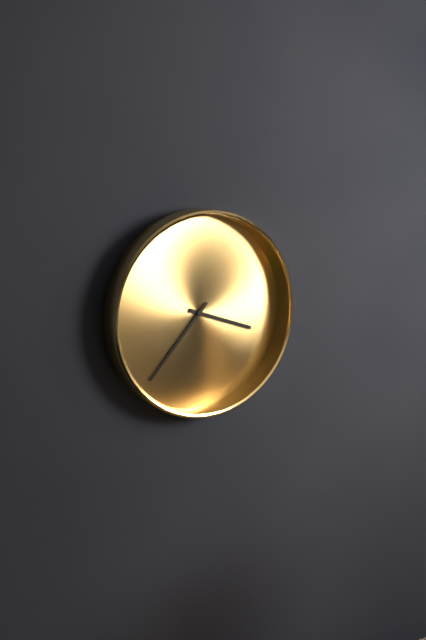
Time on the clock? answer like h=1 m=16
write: h=3 m=37
